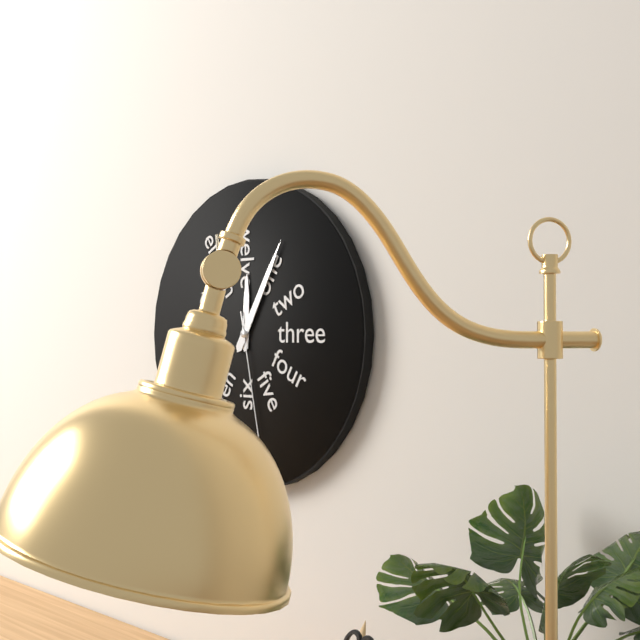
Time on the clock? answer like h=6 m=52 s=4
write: h=12 m=5 s=28
